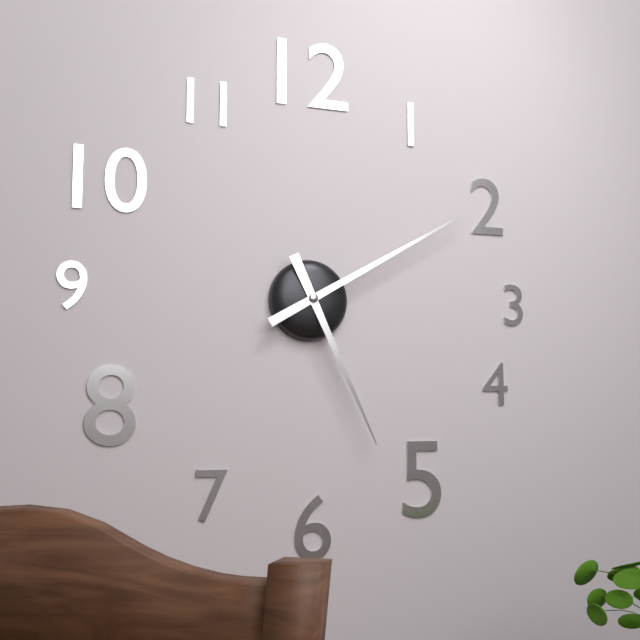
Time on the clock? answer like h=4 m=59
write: h=5 m=10
